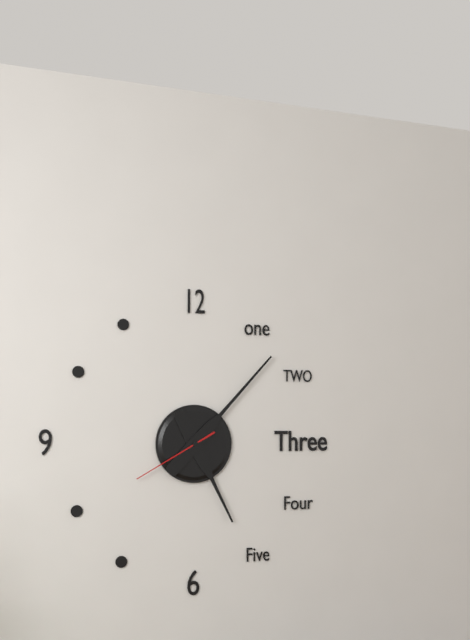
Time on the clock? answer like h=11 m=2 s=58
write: h=5 m=7 s=40
